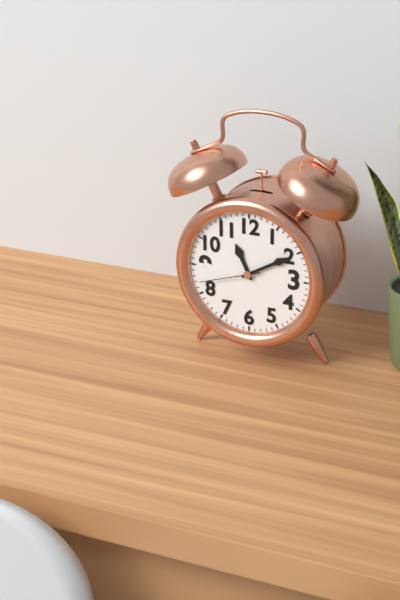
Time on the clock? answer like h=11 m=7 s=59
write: h=11 m=10 s=42
